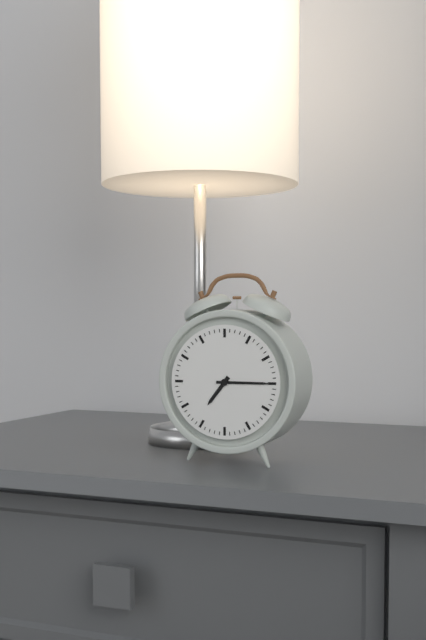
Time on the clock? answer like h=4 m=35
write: h=7 m=15
